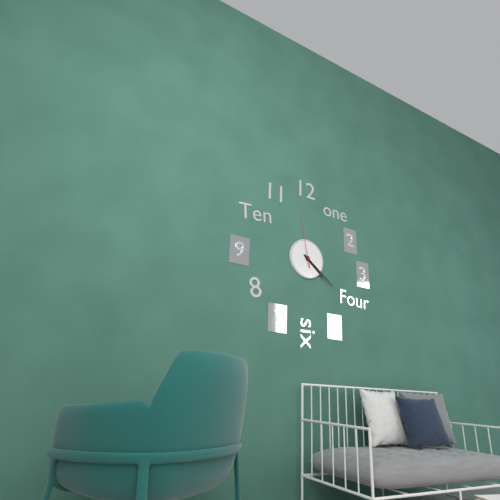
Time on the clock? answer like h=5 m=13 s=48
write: h=4 m=21 s=58
